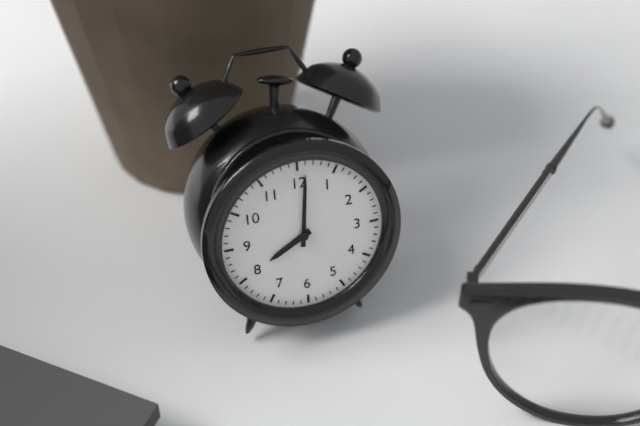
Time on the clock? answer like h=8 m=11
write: h=8 m=1
